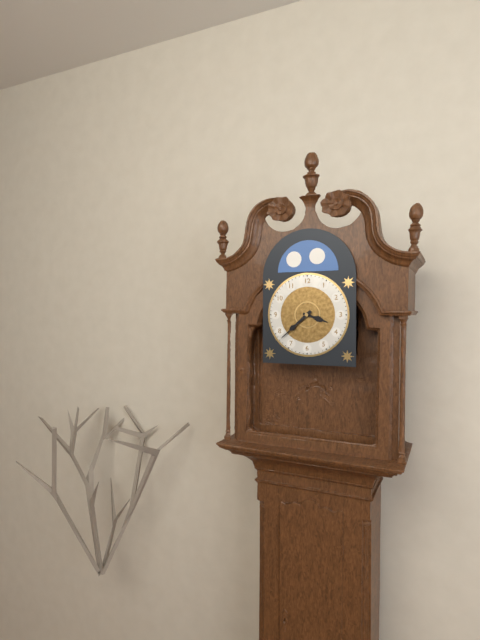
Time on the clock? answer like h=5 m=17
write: h=3 m=38
